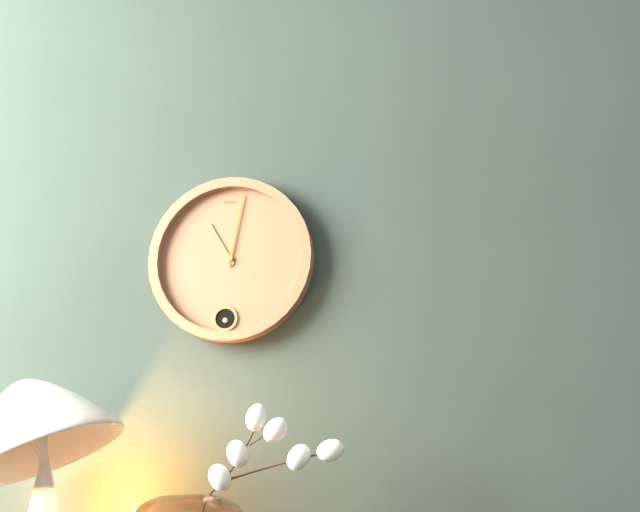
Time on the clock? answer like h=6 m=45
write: h=11 m=2
